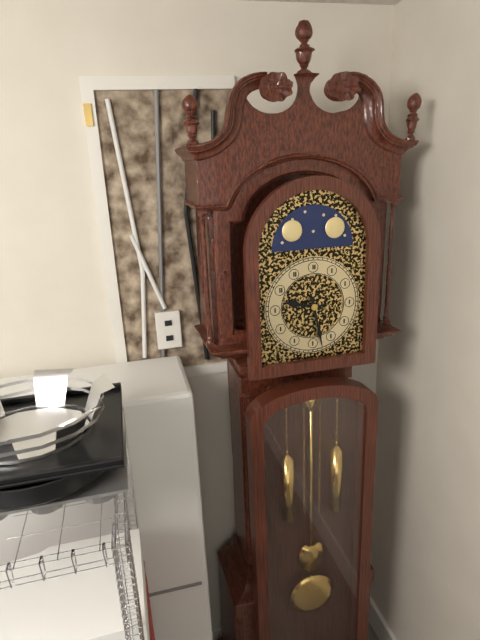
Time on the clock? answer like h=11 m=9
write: h=9 m=28
